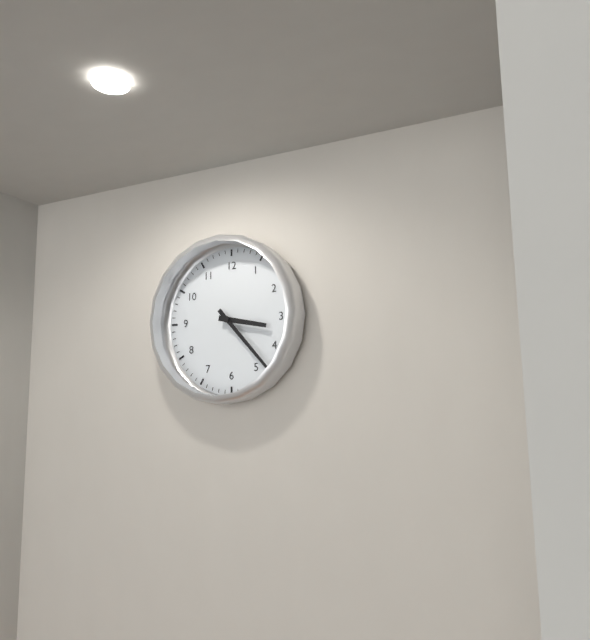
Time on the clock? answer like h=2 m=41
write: h=3 m=23
